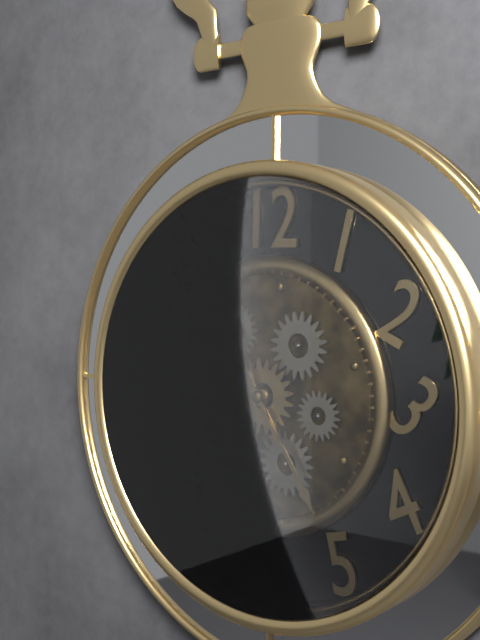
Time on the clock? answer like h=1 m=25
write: h=4 m=55
